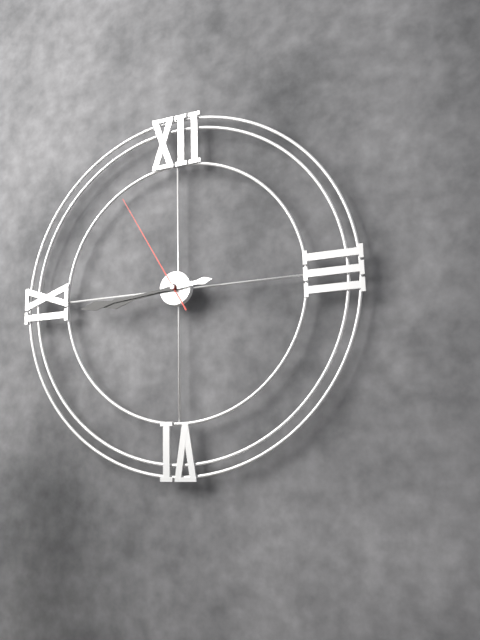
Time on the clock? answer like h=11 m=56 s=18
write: h=8 m=44 s=55
